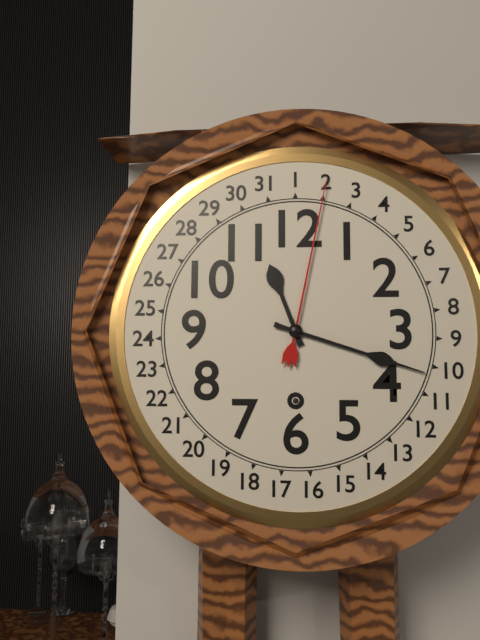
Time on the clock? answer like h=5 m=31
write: h=11 m=18
